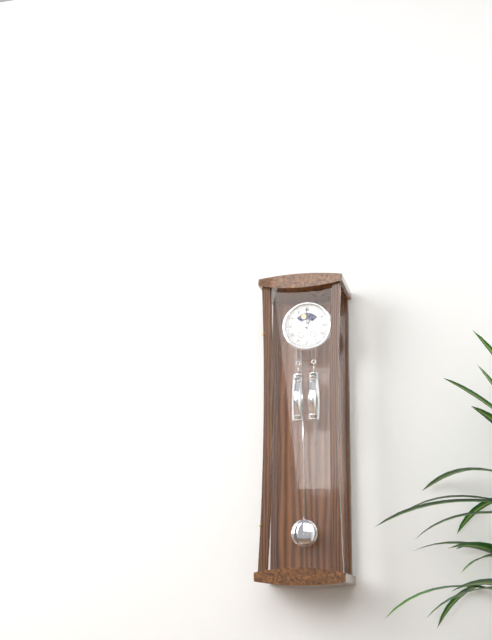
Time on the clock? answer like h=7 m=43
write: h=1 m=0
